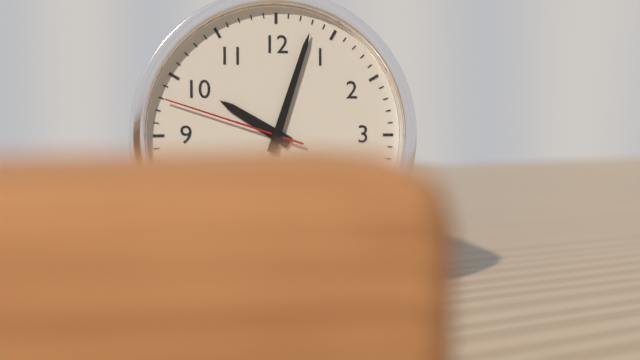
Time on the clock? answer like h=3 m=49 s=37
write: h=10 m=3 s=48
